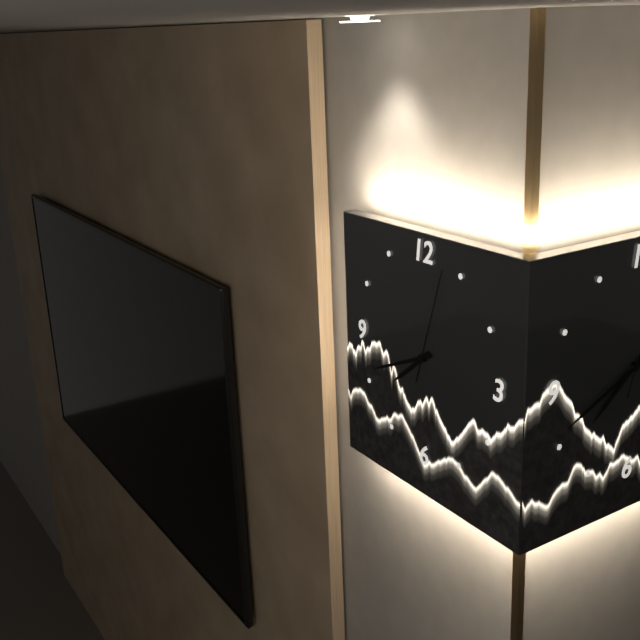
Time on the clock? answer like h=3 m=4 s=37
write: h=7 m=41 s=3
